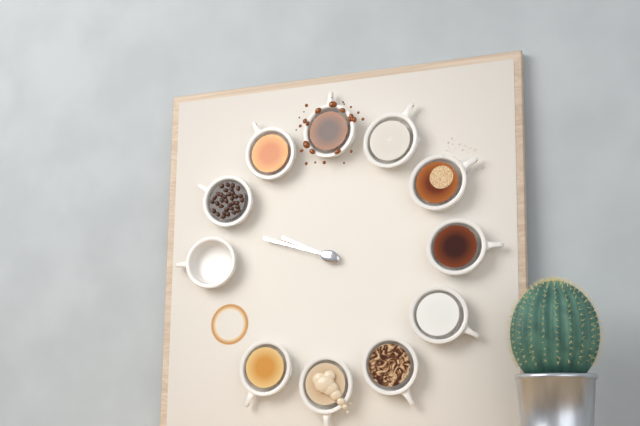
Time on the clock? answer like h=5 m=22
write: h=9 m=48
